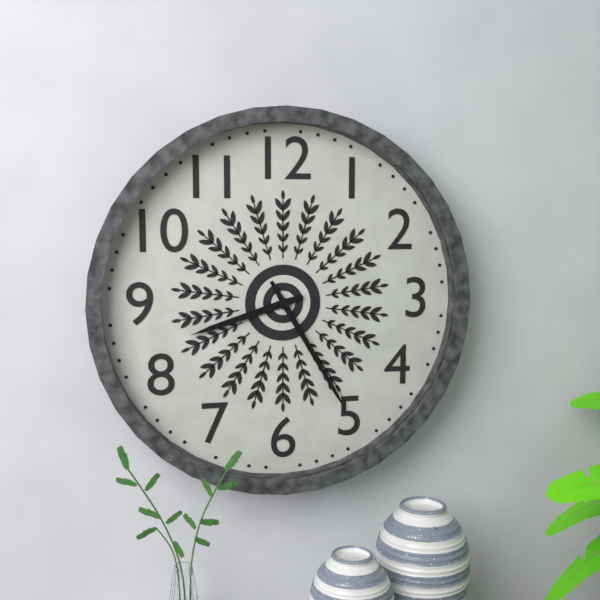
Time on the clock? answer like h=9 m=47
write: h=8 m=25
